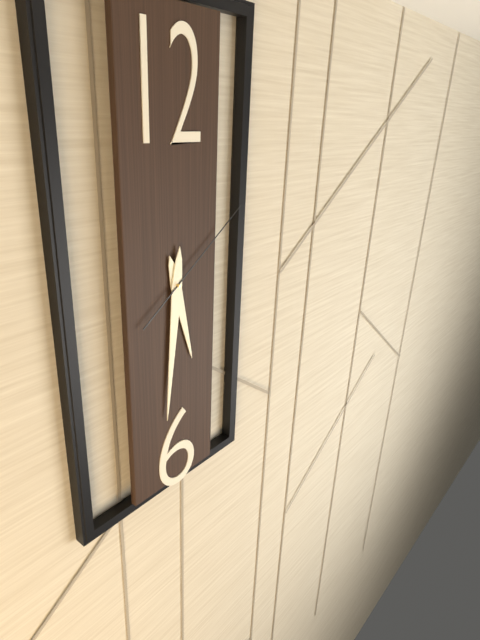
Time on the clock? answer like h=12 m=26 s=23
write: h=5 m=31 s=9
